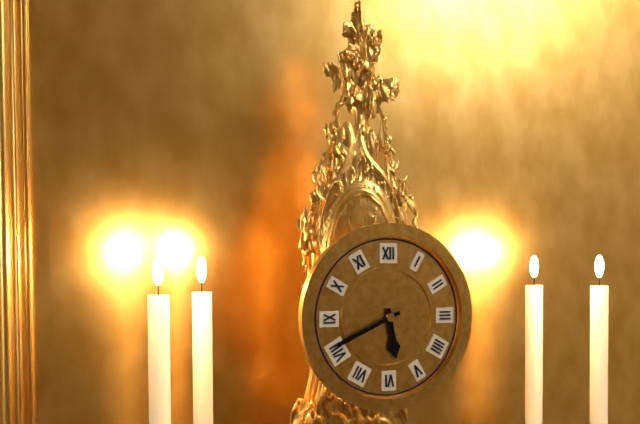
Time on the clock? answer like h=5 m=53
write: h=5 m=41
